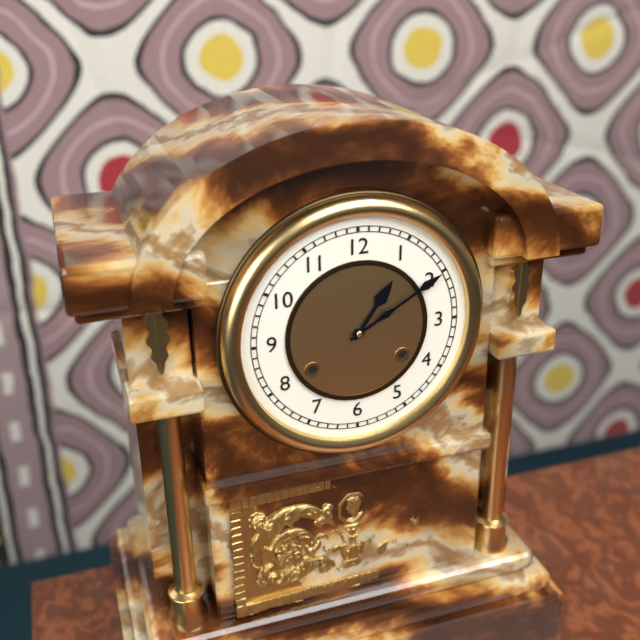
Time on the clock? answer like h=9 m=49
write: h=1 m=10
